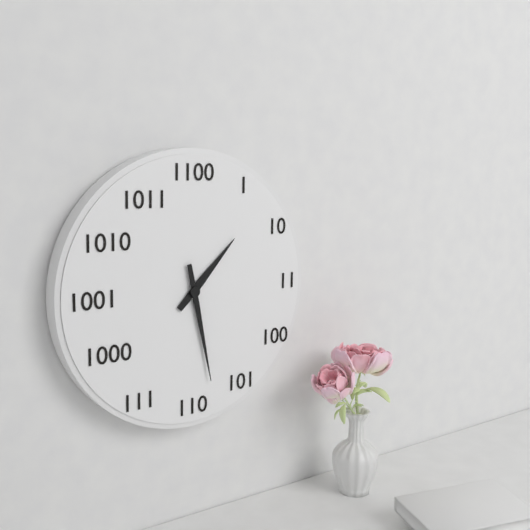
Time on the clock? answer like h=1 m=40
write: h=1 m=28
